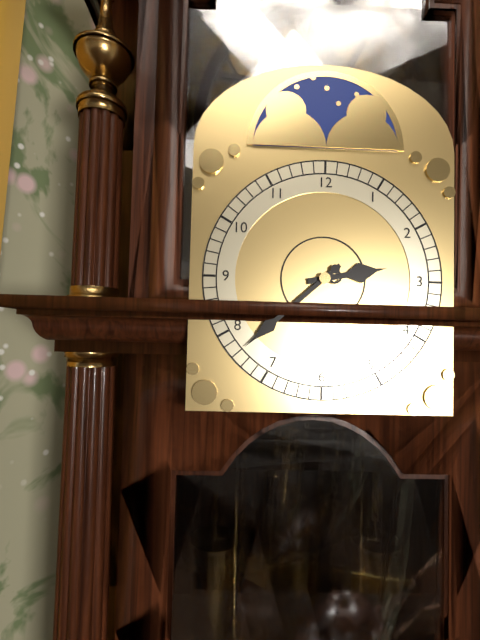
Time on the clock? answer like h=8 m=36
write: h=2 m=38
